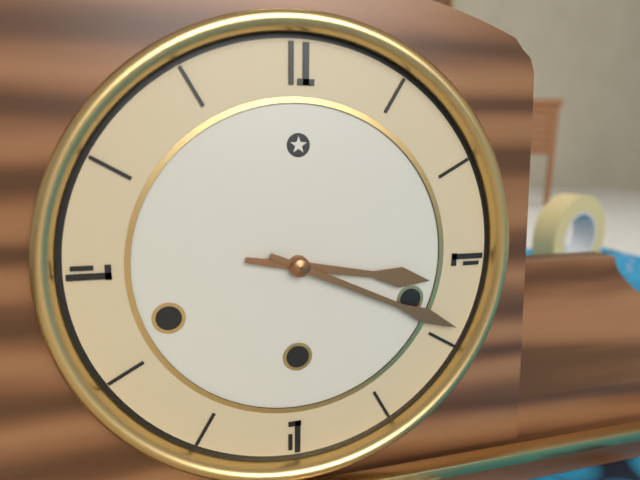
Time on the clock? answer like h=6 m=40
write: h=3 m=19
